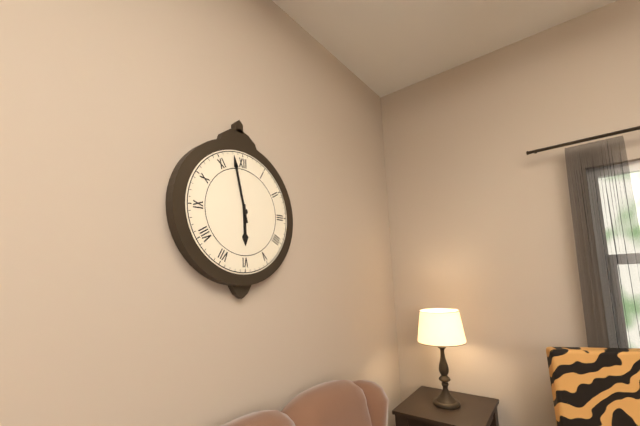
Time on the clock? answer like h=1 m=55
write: h=5 m=58
